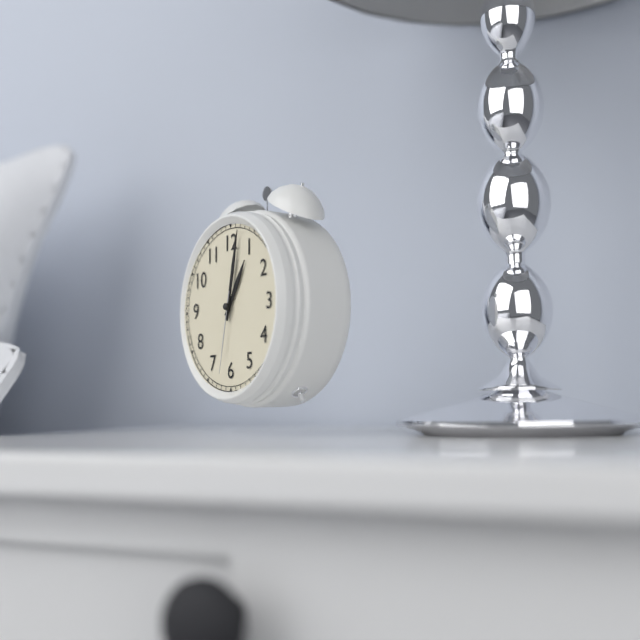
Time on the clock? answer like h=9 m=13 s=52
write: h=1 m=2 s=32
